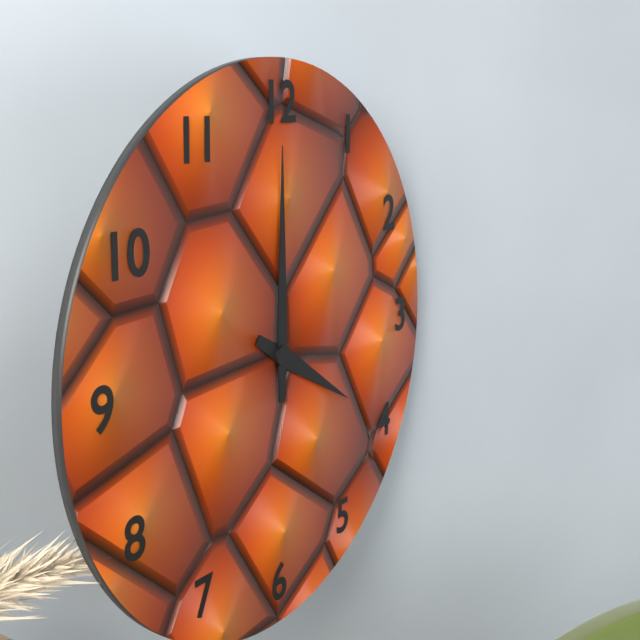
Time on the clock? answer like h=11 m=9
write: h=4 m=0
